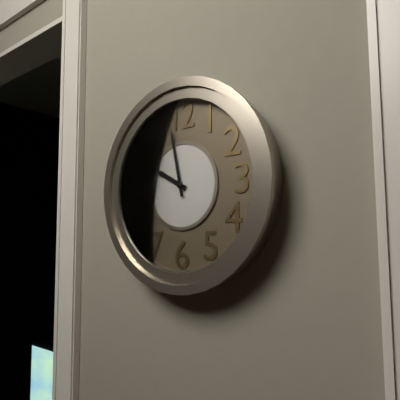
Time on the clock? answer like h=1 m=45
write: h=9 m=58
